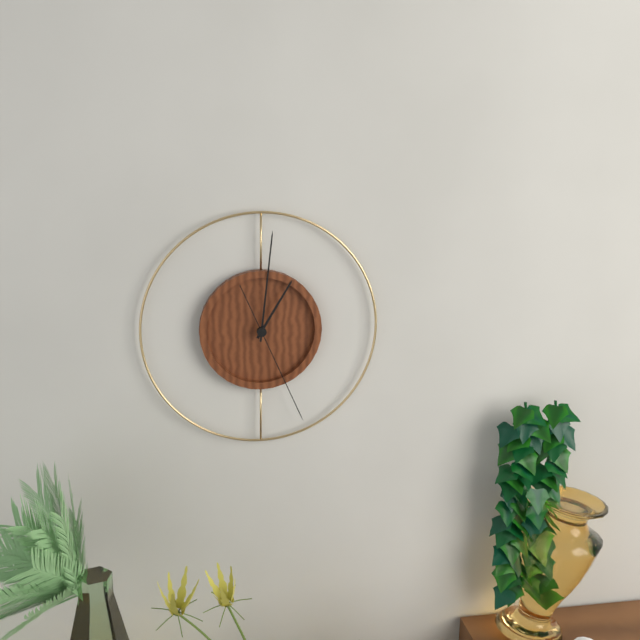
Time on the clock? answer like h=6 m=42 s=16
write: h=1 m=1 s=26
